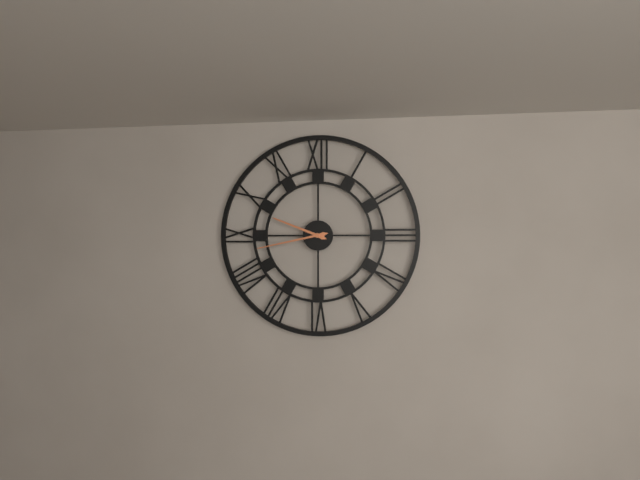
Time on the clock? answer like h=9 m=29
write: h=9 m=43
